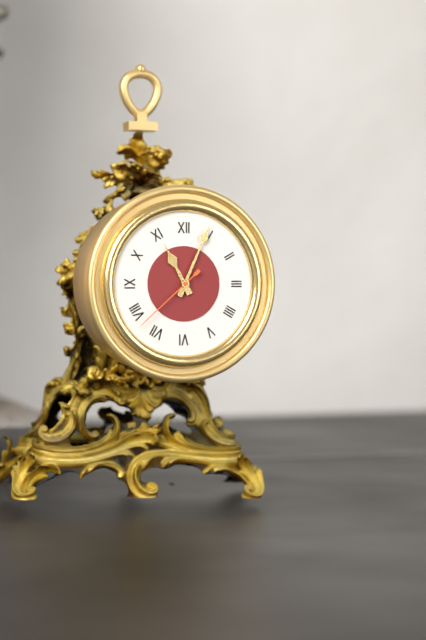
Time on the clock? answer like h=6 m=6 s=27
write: h=11 m=4 s=38
